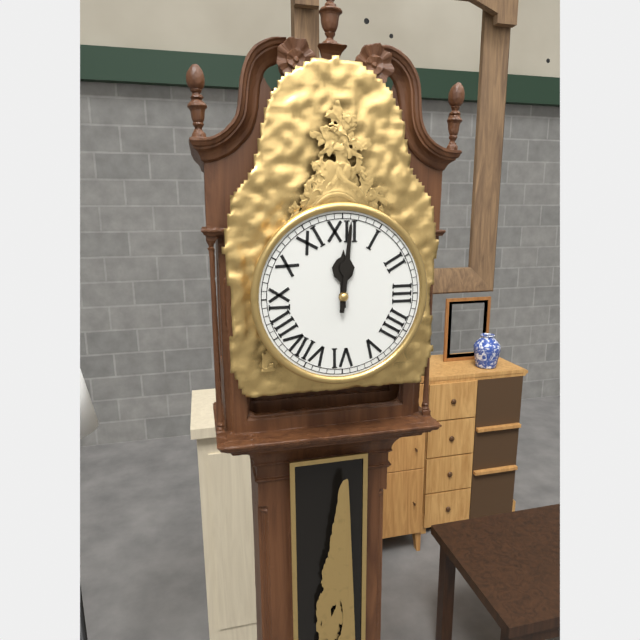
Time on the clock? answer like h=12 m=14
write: h=12 m=1
